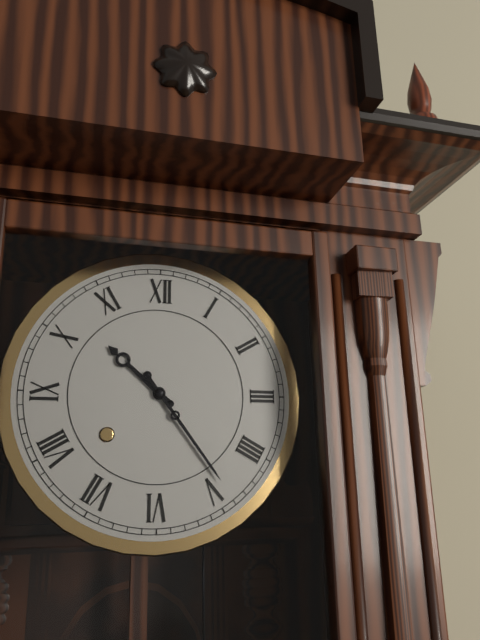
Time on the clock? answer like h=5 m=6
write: h=10 m=24
